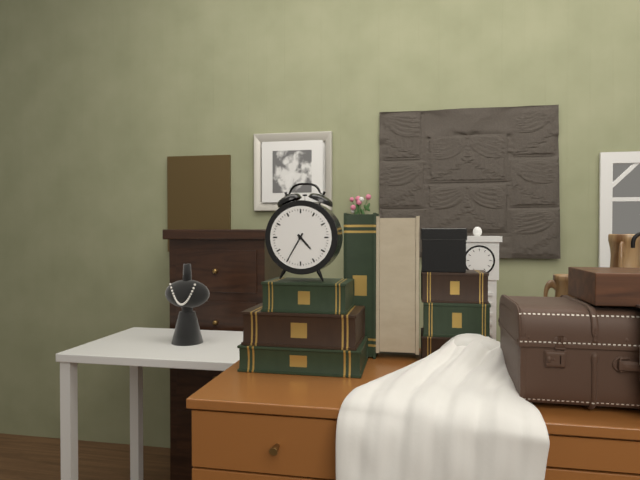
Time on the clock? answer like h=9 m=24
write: h=4 m=35
